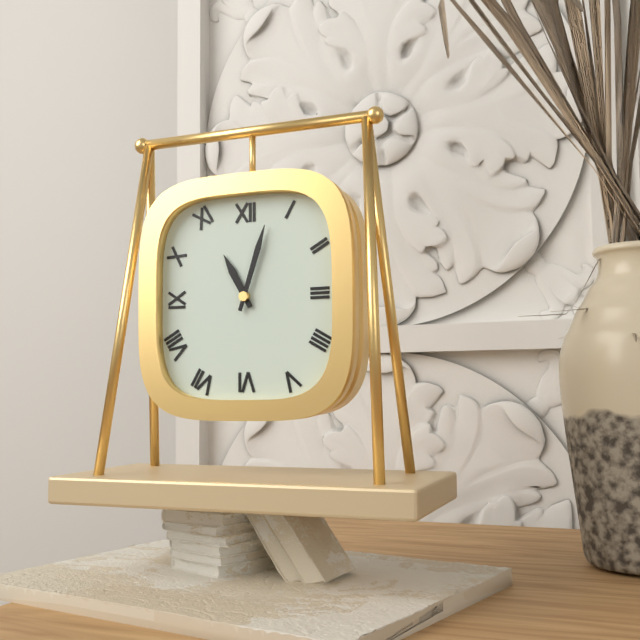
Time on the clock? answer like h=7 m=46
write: h=11 m=3
